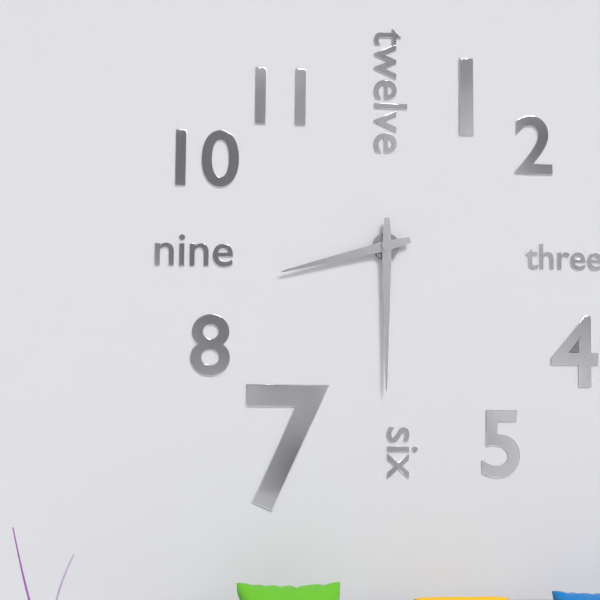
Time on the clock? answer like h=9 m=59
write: h=8 m=30
